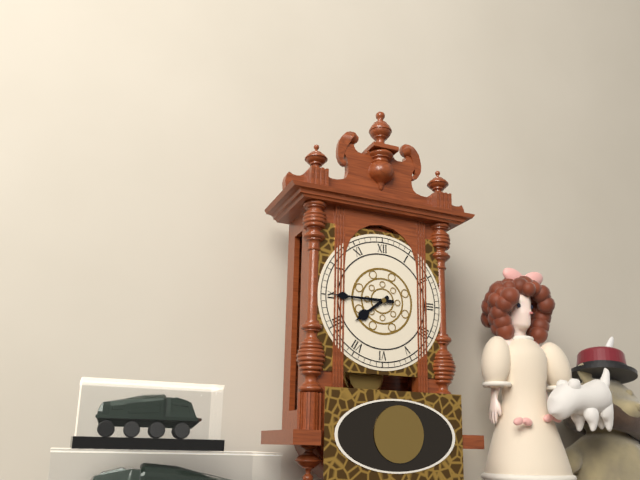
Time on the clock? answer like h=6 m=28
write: h=7 m=45
